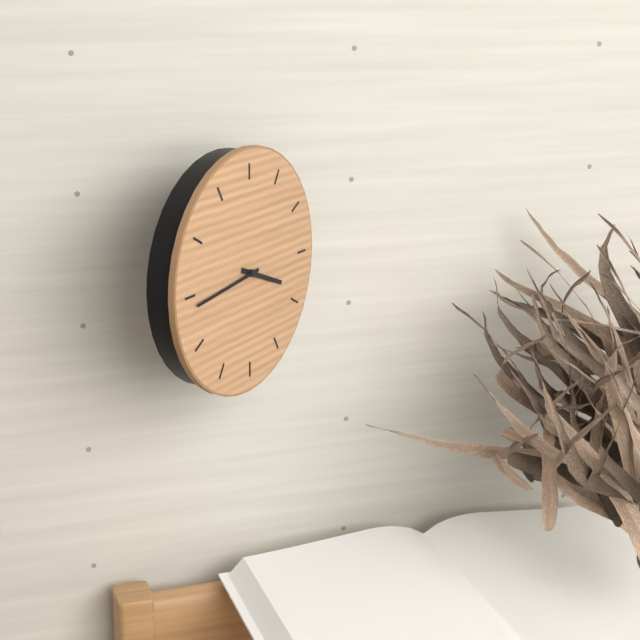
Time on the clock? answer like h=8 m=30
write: h=3 m=44
